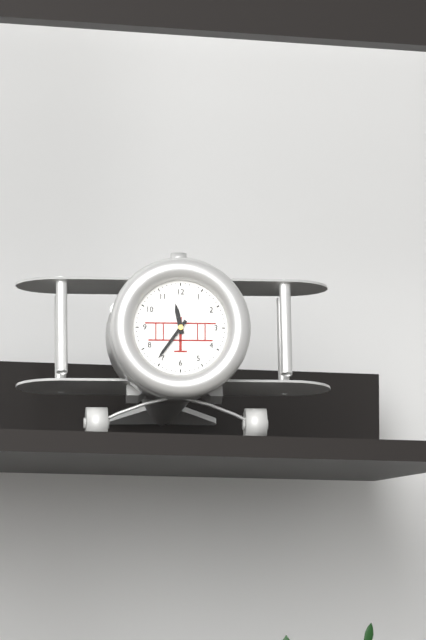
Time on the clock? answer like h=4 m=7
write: h=11 m=36
